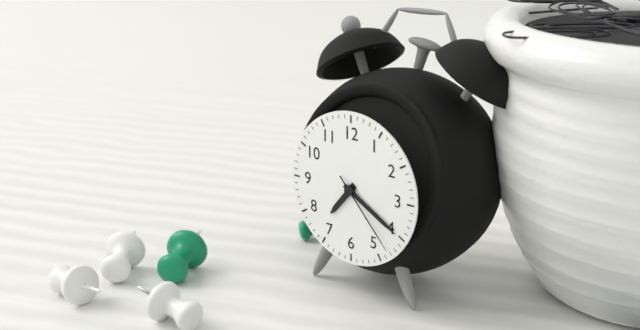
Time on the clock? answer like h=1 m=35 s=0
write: h=7 m=20 s=23
